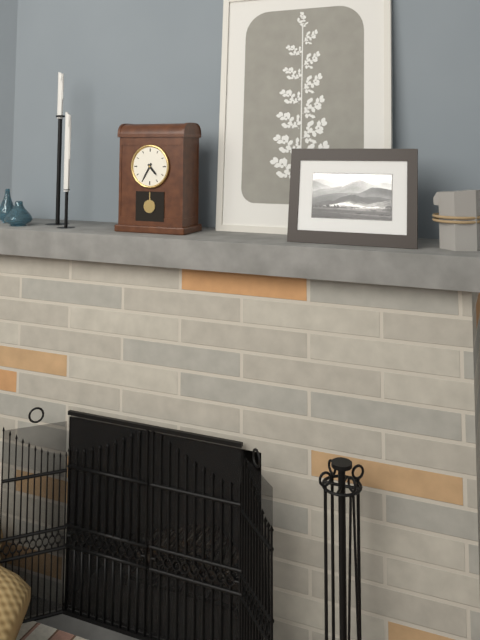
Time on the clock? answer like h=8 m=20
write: h=4 m=35
